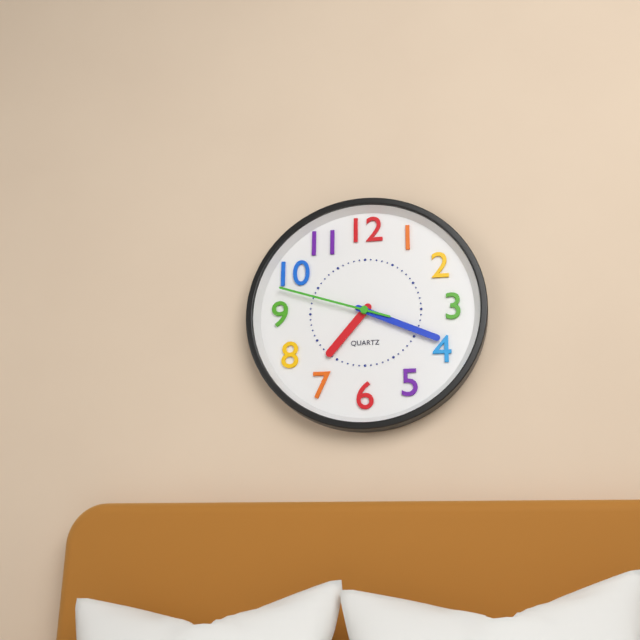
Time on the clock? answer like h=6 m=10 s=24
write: h=7 m=19 s=48
